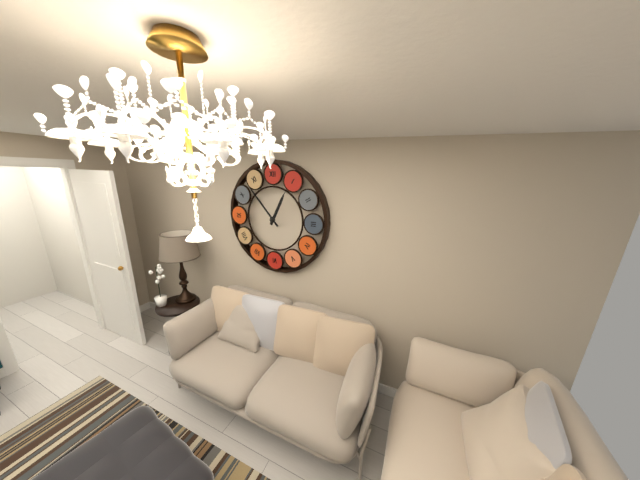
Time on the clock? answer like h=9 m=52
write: h=12 m=53
